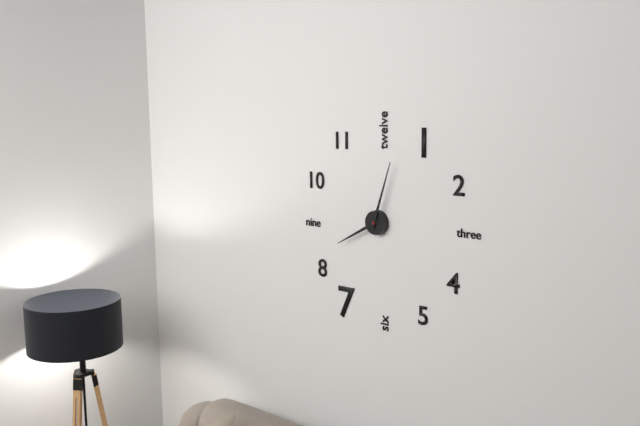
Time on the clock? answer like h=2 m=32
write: h=8 m=3
